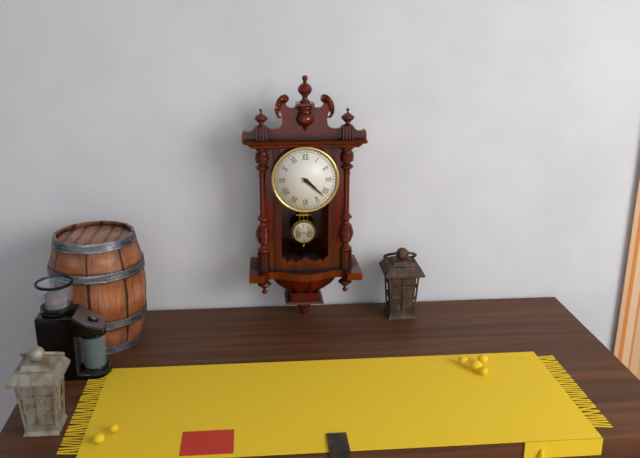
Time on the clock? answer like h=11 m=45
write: h=4 m=22
